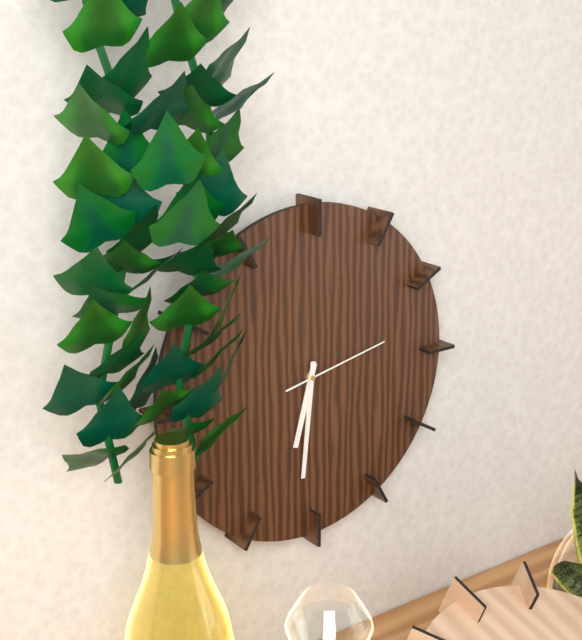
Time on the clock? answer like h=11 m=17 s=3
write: h=6 m=31 s=13
